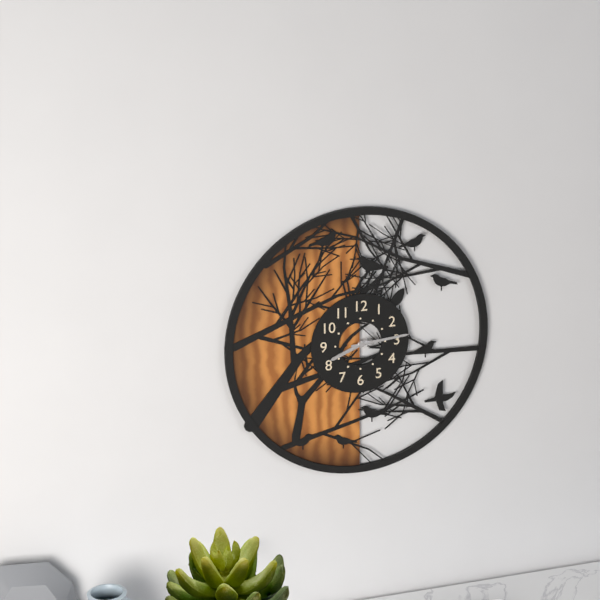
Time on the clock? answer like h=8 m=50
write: h=8 m=14
